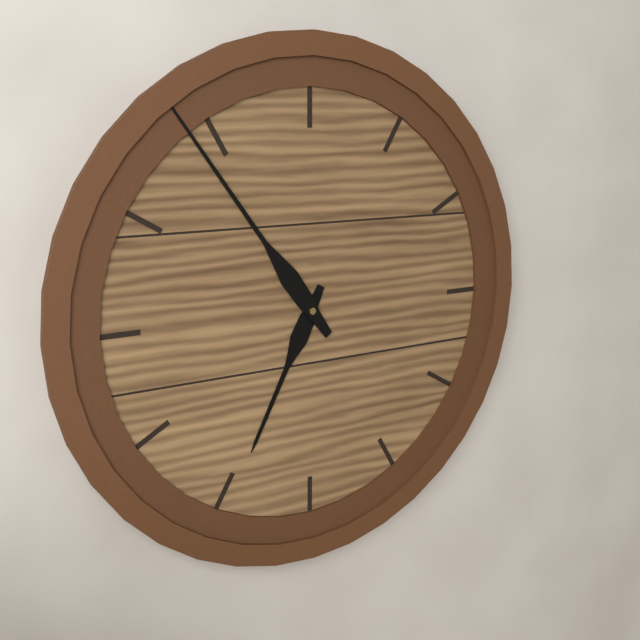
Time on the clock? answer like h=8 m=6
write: h=6 m=54
